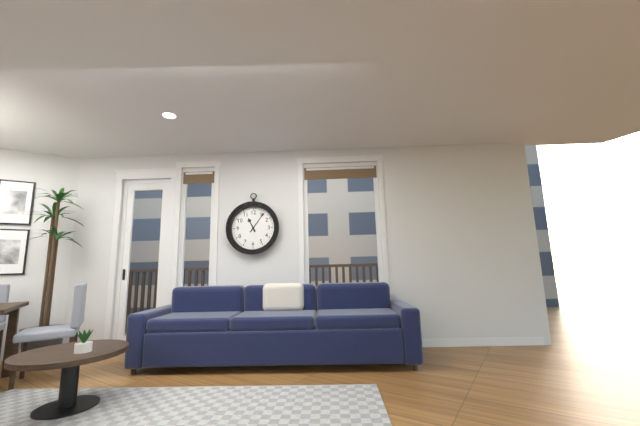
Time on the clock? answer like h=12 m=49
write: h=11 m=6
